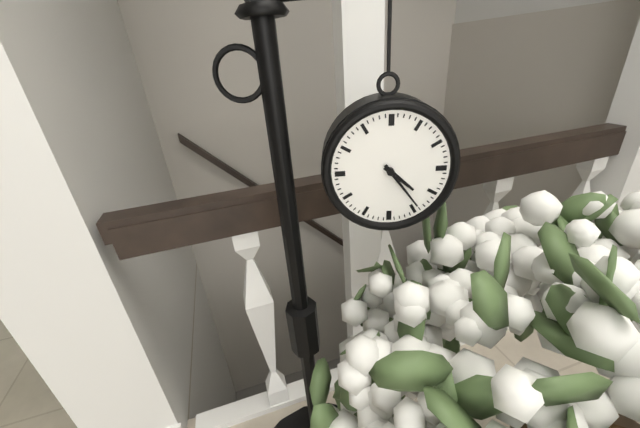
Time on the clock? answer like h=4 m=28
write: h=4 m=24
